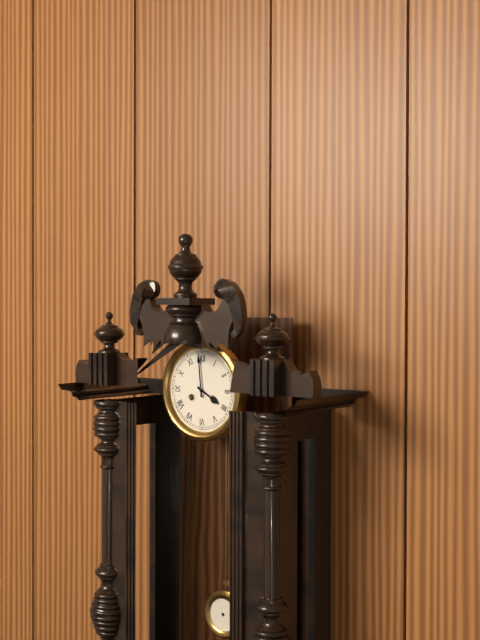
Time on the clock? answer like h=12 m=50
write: h=3 m=59
